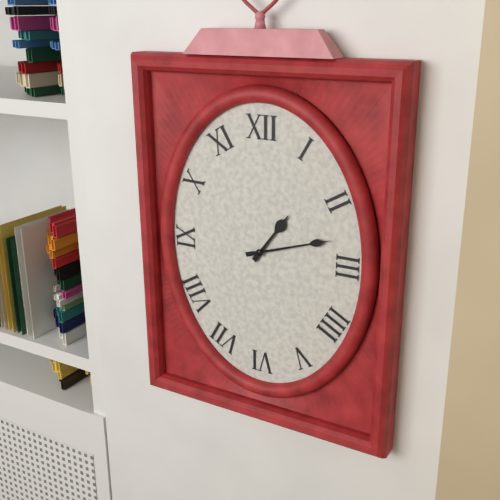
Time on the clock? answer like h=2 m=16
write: h=1 m=12
